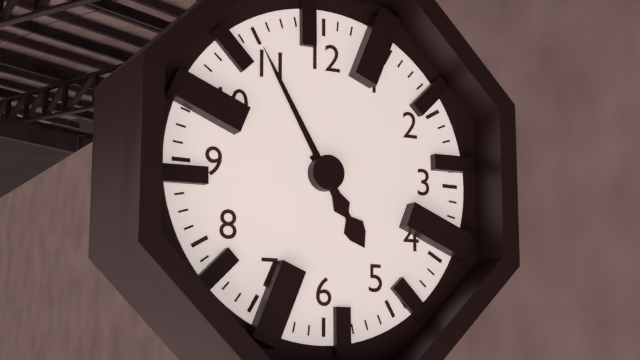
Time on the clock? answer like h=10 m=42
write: h=4 m=55
